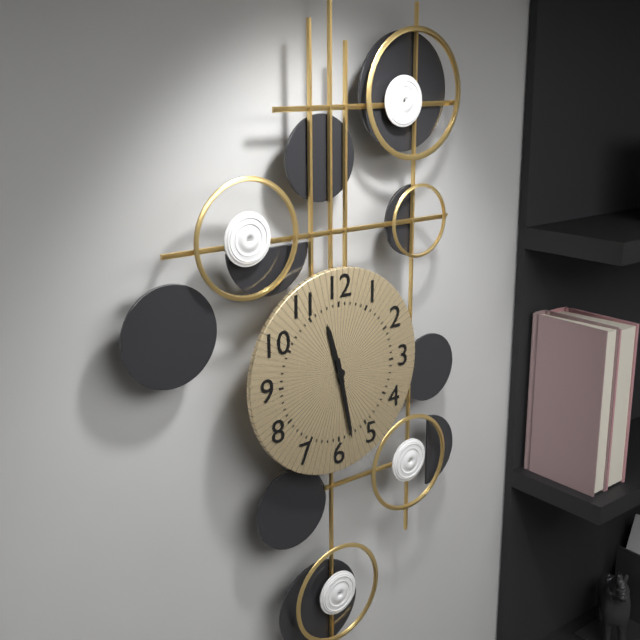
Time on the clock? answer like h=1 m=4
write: h=11 m=28
